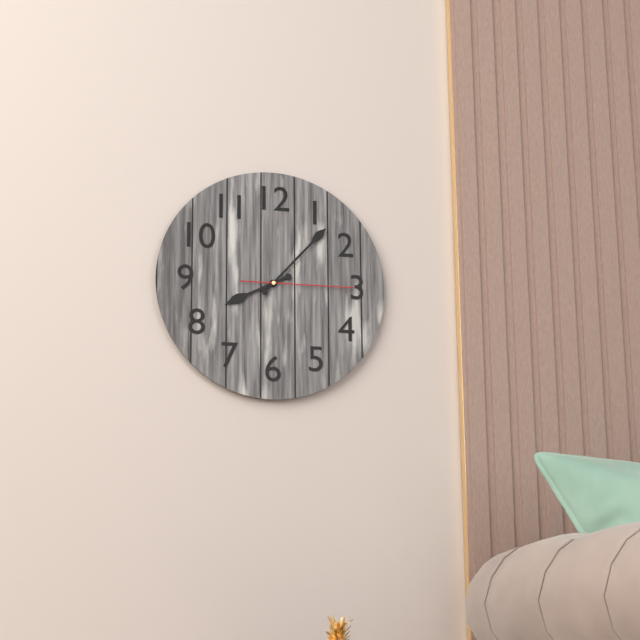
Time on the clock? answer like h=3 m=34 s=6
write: h=8 m=7 s=15
